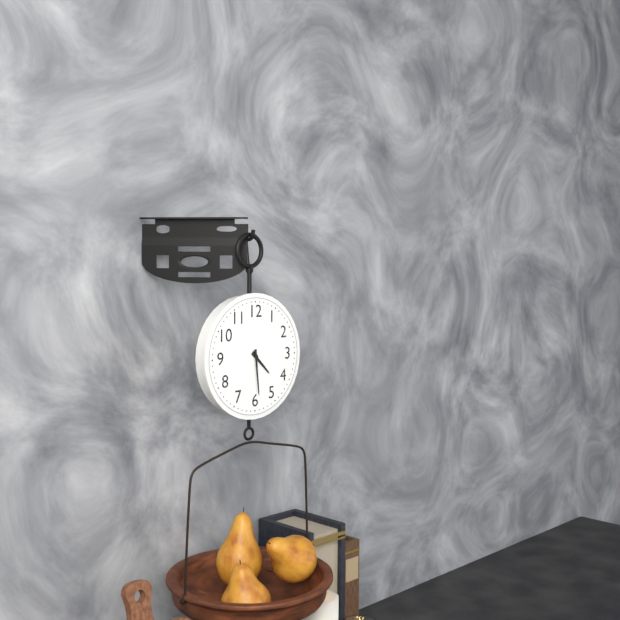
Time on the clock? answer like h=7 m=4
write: h=4 m=29
